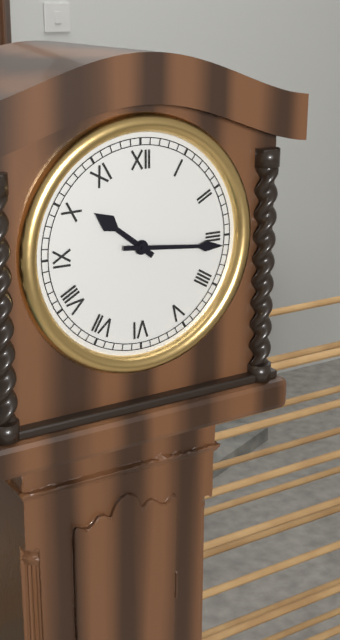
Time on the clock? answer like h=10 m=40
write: h=10 m=16
